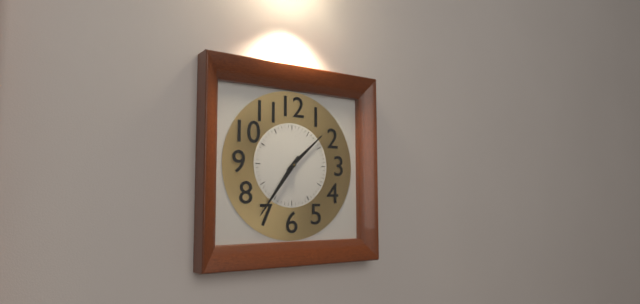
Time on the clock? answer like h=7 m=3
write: h=1 m=36
